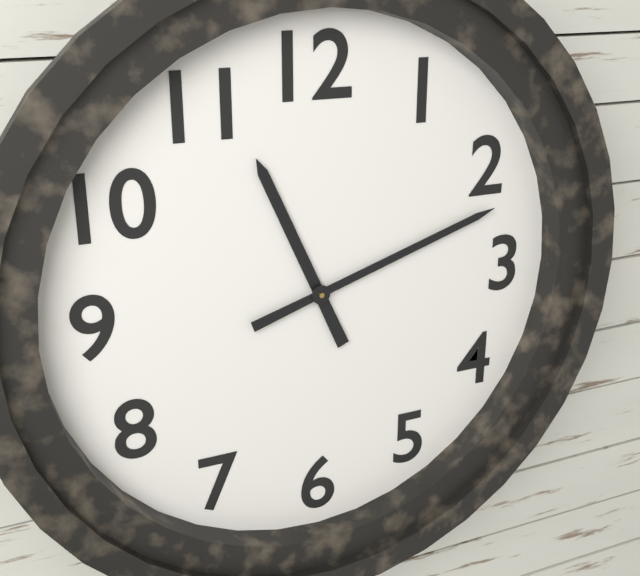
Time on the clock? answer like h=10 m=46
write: h=11 m=12
